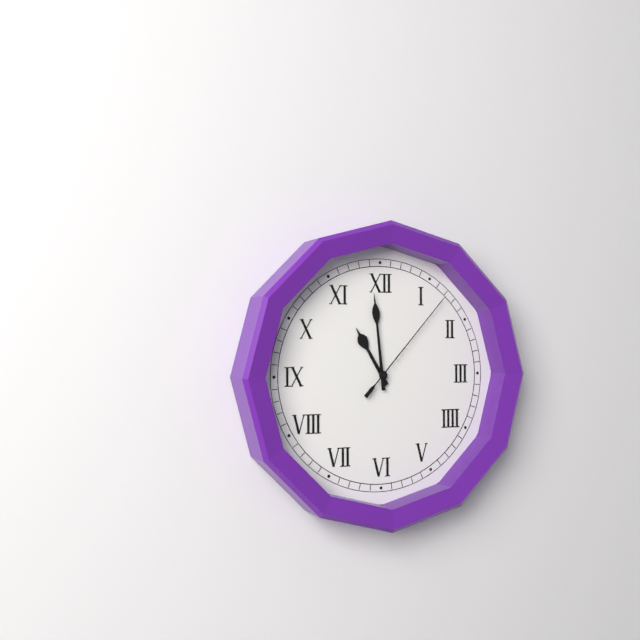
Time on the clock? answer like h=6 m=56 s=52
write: h=10 m=59 s=7
